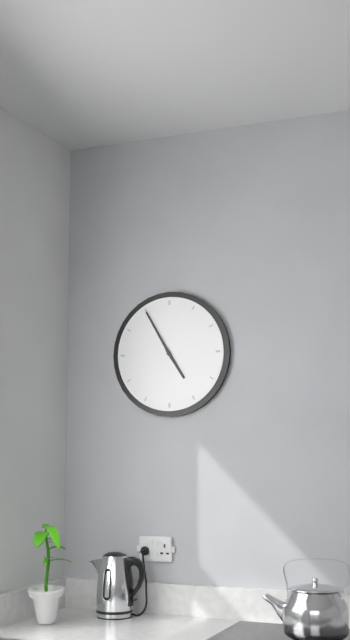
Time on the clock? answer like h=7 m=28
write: h=4 m=55
